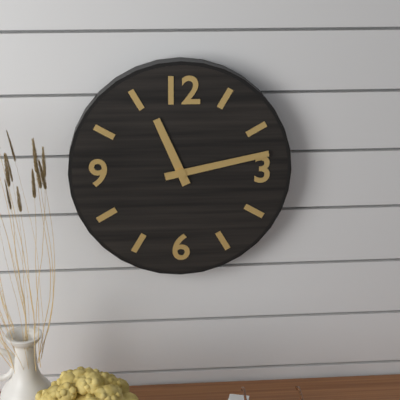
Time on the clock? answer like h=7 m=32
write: h=11 m=13
